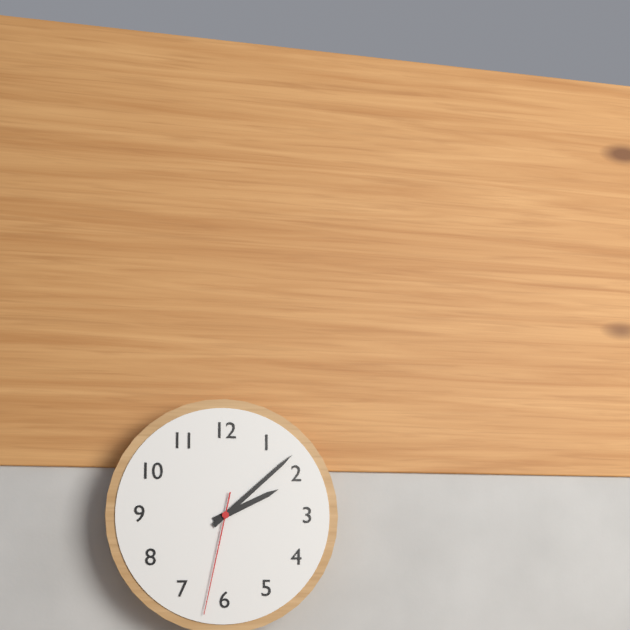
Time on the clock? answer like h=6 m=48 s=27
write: h=2 m=8 s=32
